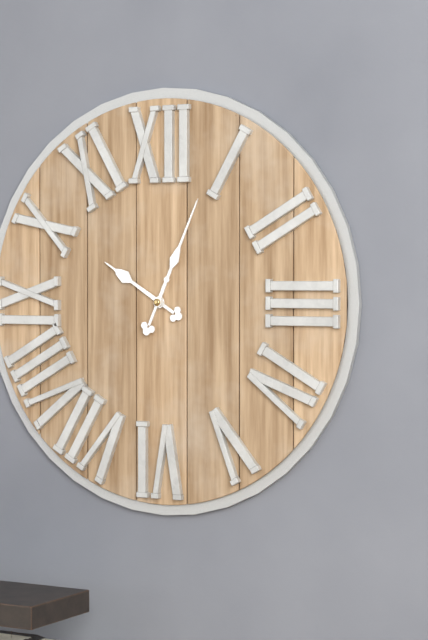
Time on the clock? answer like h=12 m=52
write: h=10 m=4
